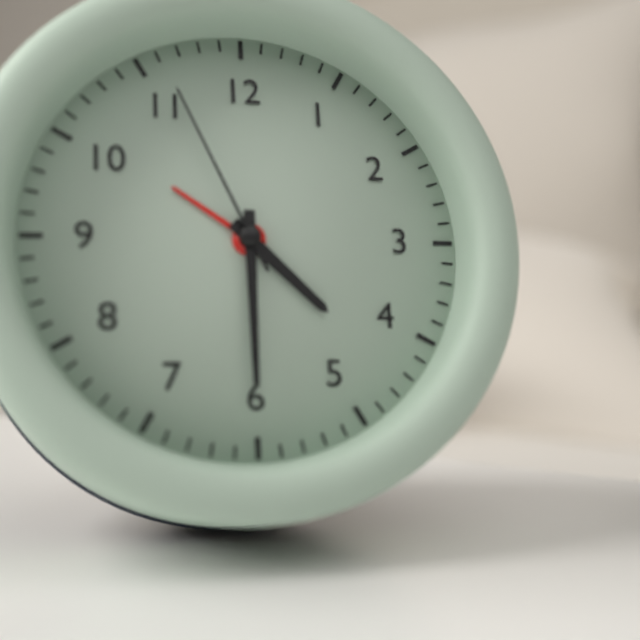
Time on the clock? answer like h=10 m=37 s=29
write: h=4 m=30 s=56
